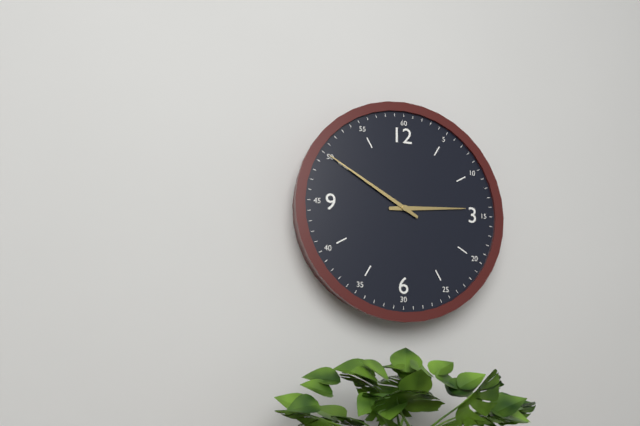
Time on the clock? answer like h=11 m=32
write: h=2 m=50
